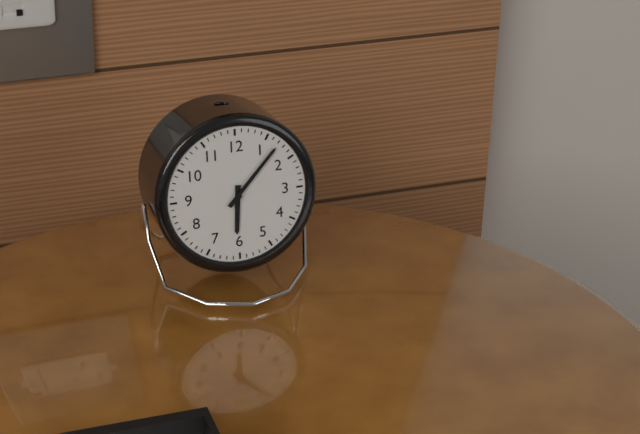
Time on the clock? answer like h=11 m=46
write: h=6 m=7
